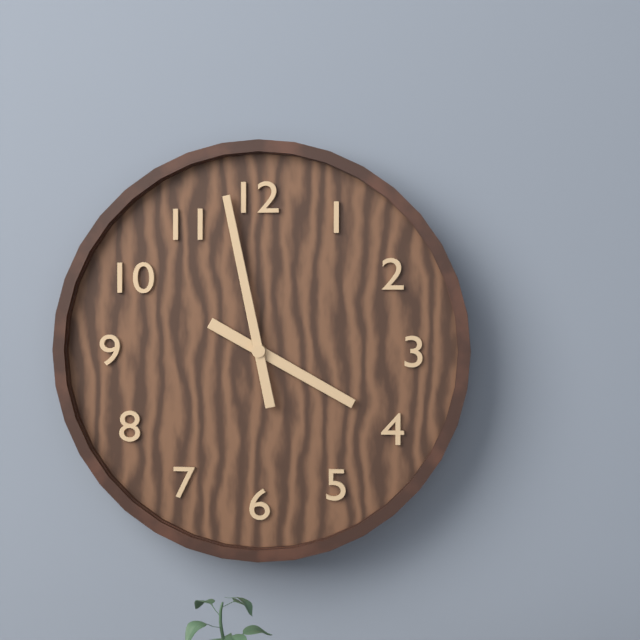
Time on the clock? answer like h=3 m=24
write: h=3 m=58
